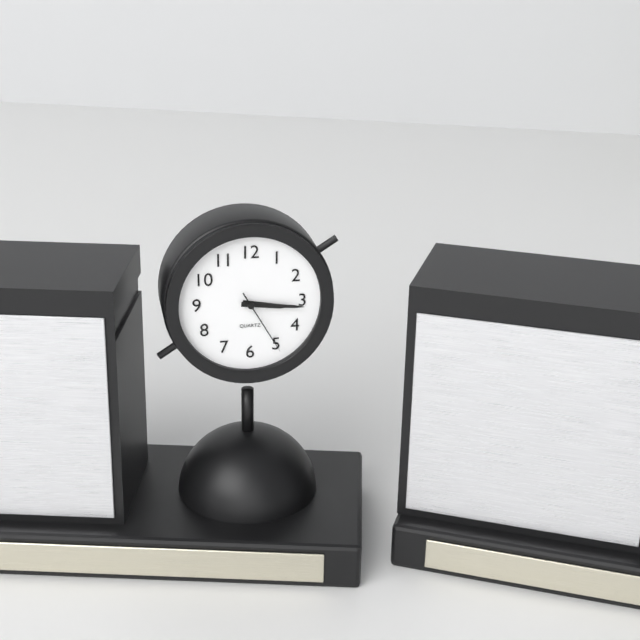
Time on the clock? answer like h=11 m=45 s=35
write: h=3 m=16 s=25
